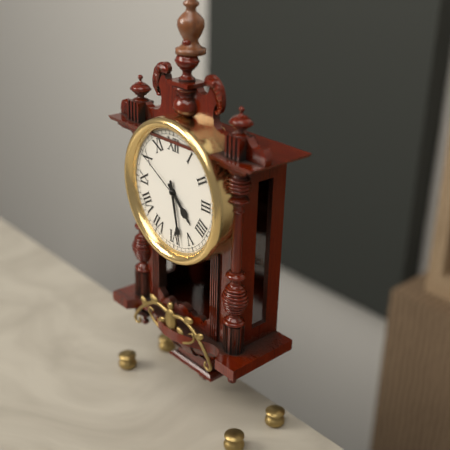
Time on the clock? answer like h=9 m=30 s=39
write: h=4 m=28 s=50
